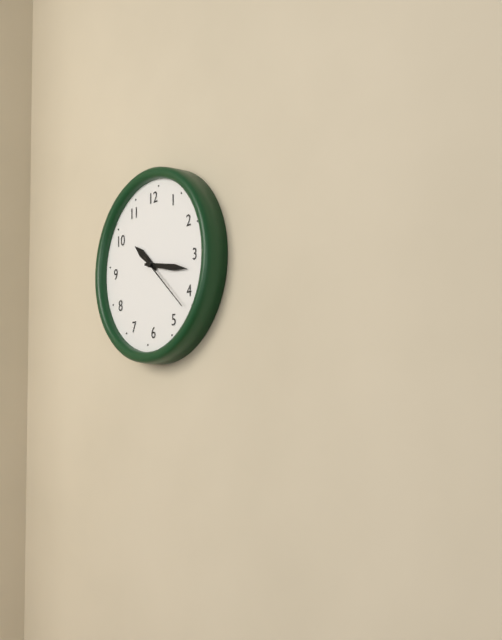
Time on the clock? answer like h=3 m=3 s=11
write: h=10 m=17 s=22
